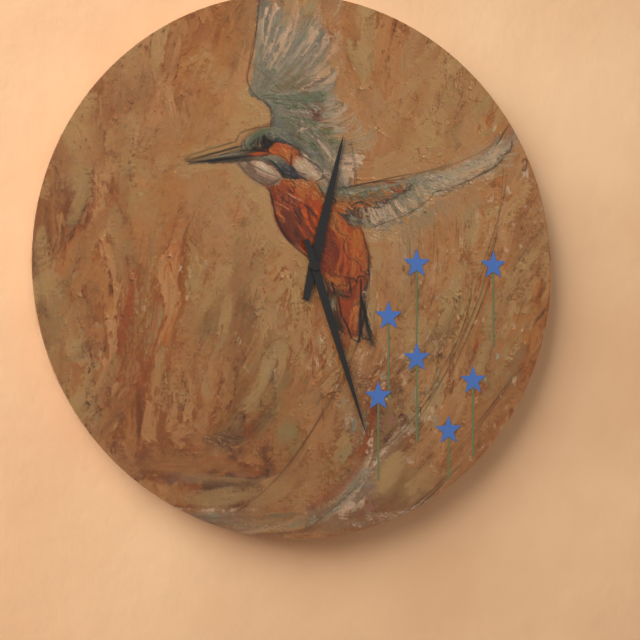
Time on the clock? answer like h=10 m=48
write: h=12 m=27
